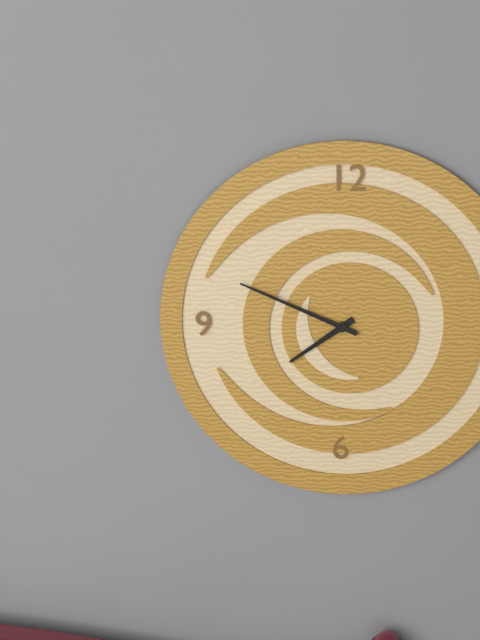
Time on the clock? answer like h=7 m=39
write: h=7 m=49
